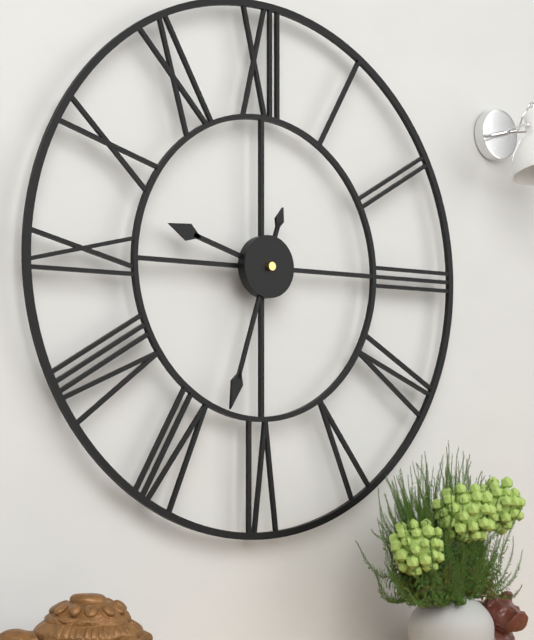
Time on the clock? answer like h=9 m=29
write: h=9 m=33
